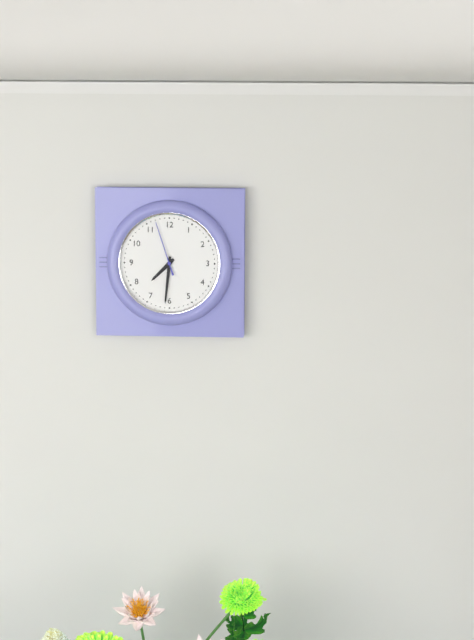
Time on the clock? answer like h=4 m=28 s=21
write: h=7 m=31 s=57
